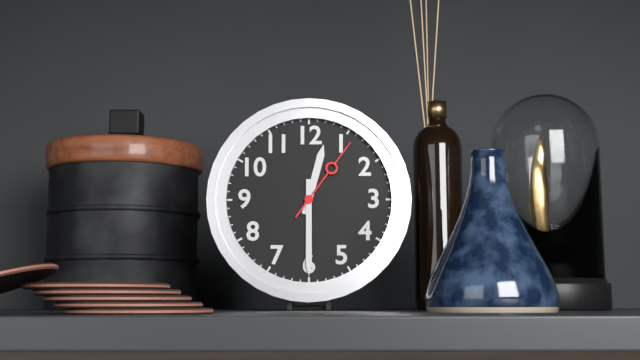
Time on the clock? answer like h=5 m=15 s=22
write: h=12 m=30 s=6
